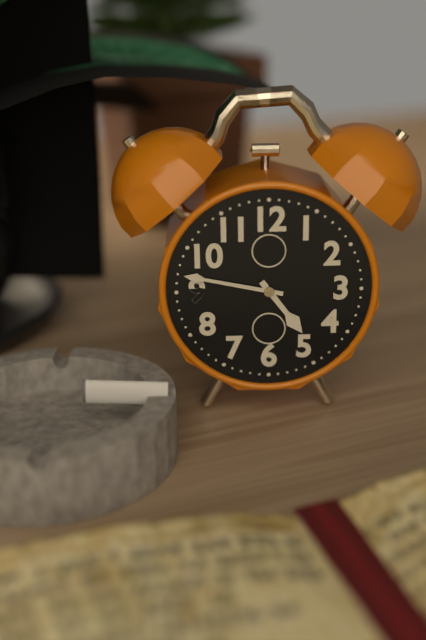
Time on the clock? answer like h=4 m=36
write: h=4 m=47
